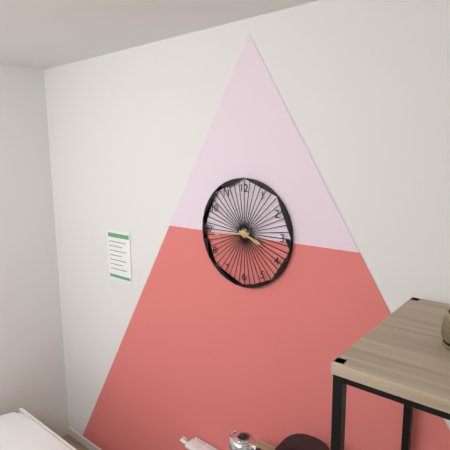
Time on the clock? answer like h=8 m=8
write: h=3 m=44
